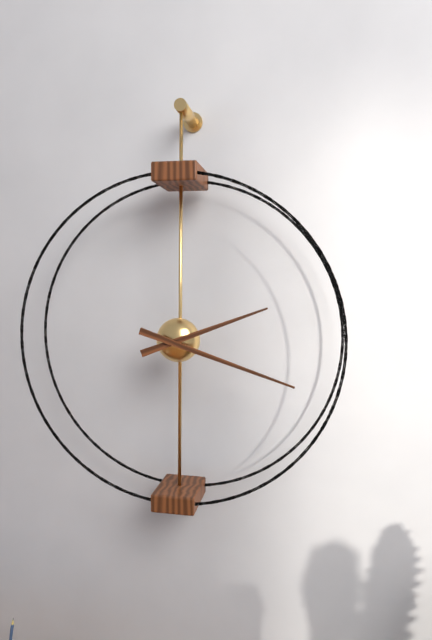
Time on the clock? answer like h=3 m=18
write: h=2 m=18
